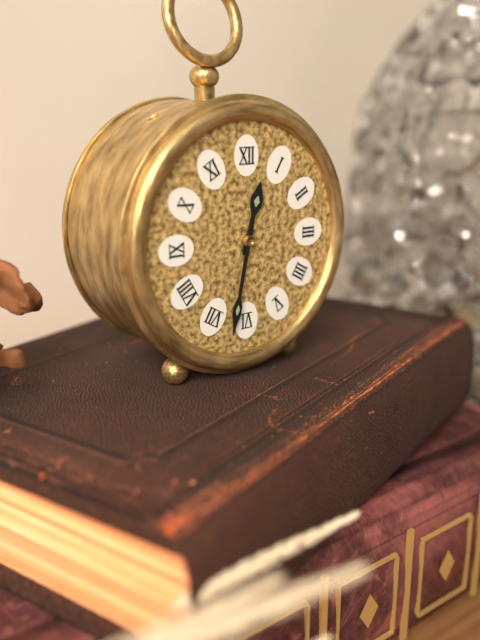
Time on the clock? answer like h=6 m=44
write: h=12 m=32
